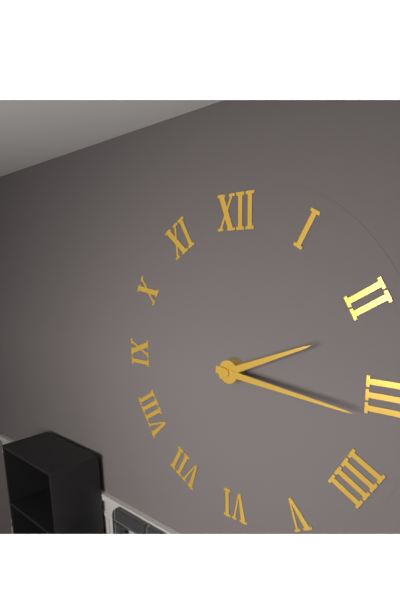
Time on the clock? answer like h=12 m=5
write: h=2 m=16
